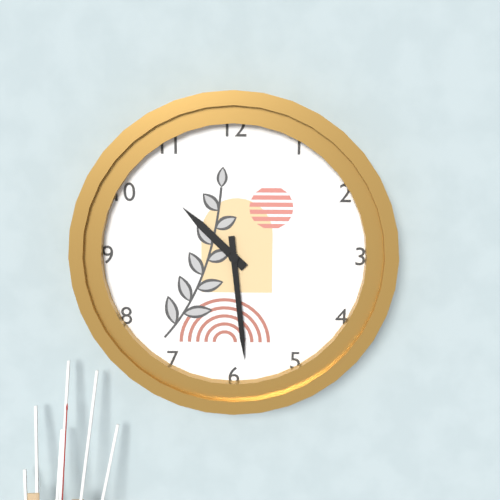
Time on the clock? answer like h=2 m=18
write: h=10 m=29
